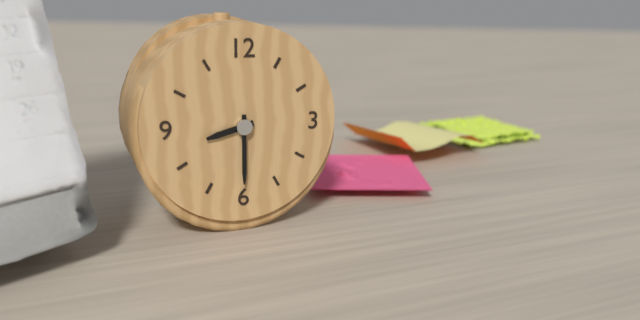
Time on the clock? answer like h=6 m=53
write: h=8 m=30
